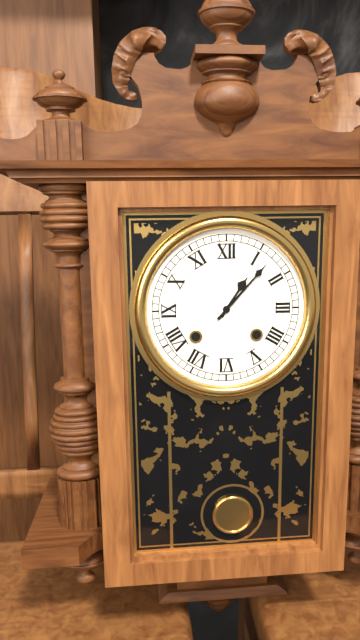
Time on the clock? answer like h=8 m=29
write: h=1 m=7
